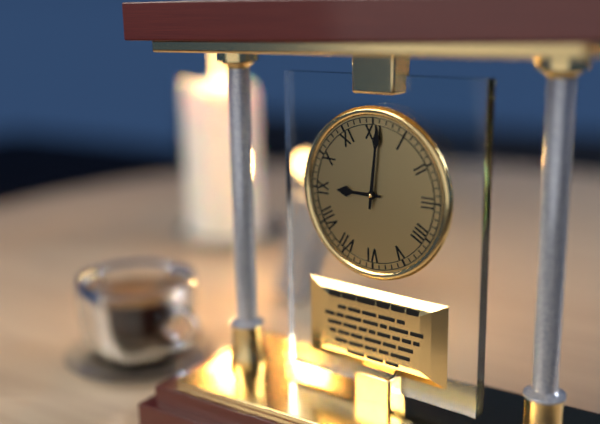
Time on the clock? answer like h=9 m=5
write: h=9 m=1
